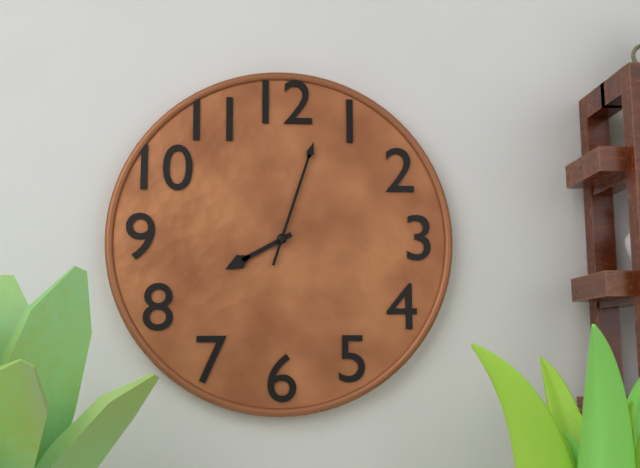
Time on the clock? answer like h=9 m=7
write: h=8 m=3
